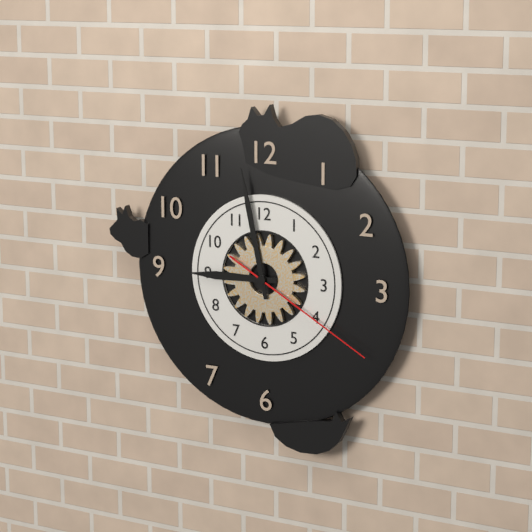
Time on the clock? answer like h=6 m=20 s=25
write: h=8 m=58 s=20
